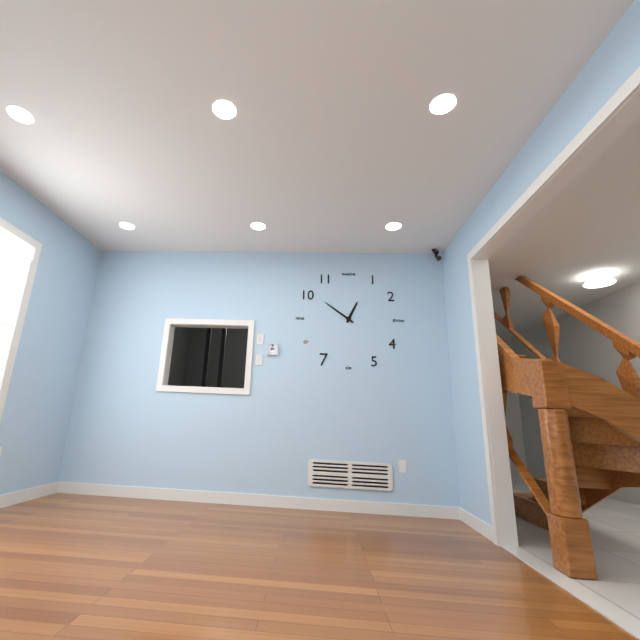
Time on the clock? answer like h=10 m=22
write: h=12 m=51
